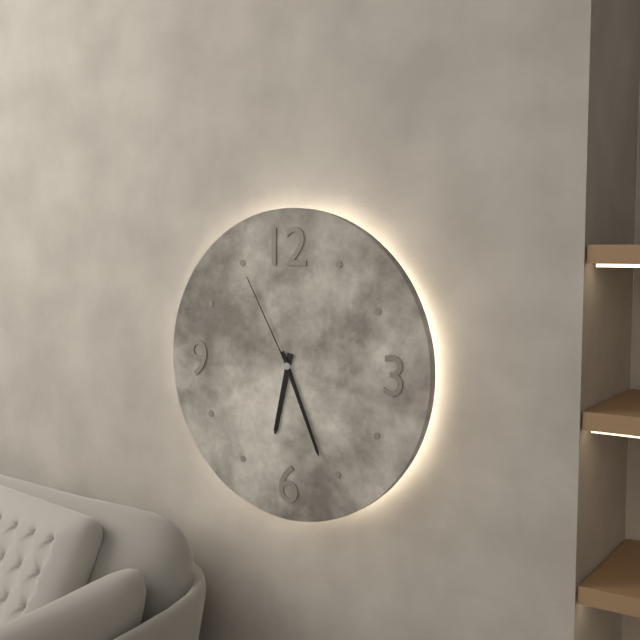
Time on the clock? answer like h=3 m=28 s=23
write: h=6 m=26 s=55
